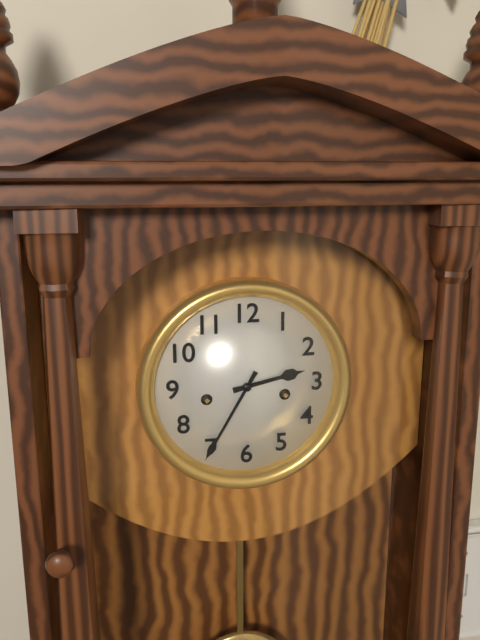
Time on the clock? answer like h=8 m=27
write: h=2 m=35
